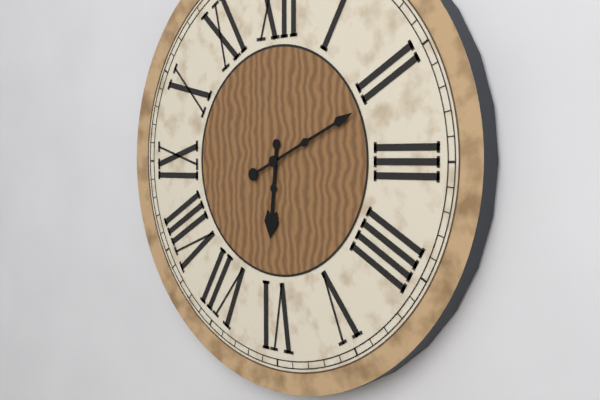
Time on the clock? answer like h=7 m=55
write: h=6 m=11
